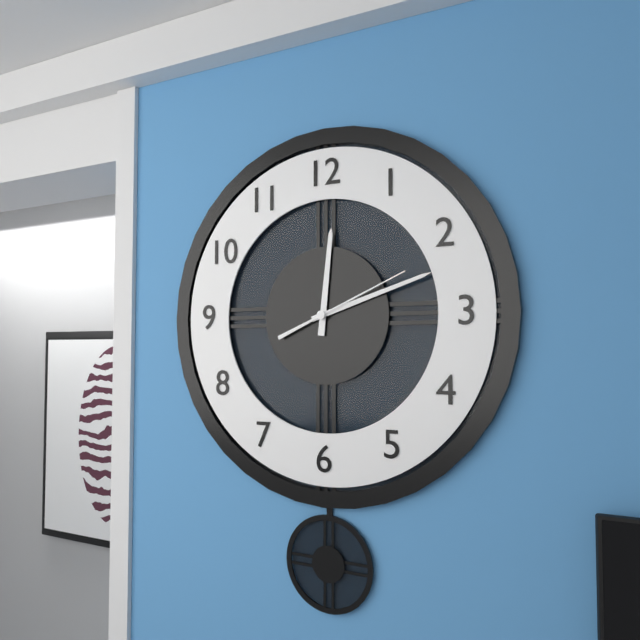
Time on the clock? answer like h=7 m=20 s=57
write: h=12 m=12 s=11
